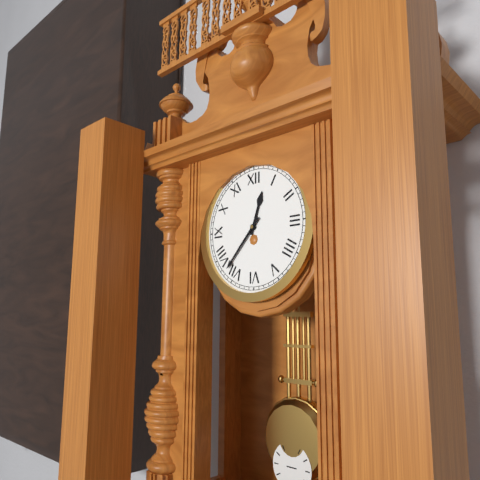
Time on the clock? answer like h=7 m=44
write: h=12 m=37
